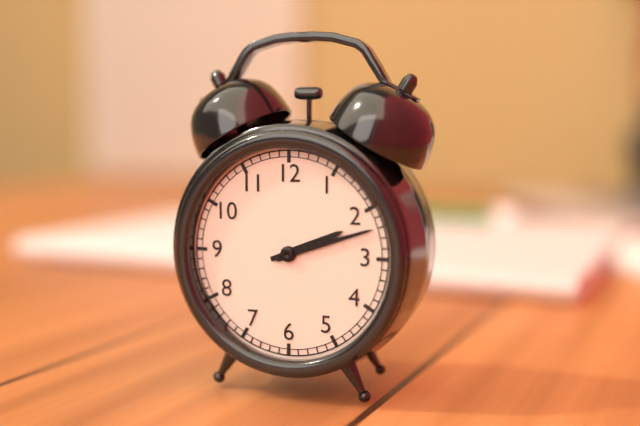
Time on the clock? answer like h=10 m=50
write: h=2 m=12
